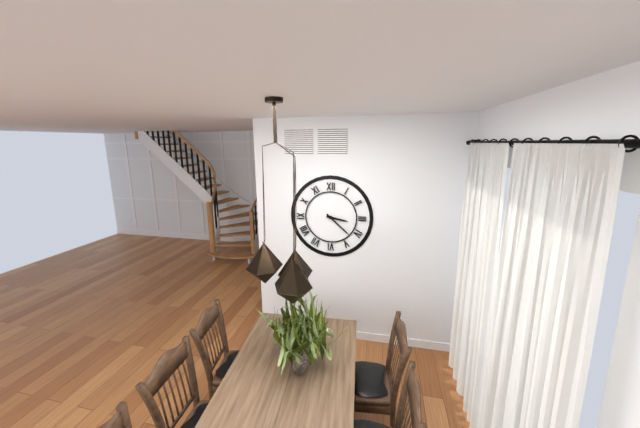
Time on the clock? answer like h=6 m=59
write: h=3 m=22
